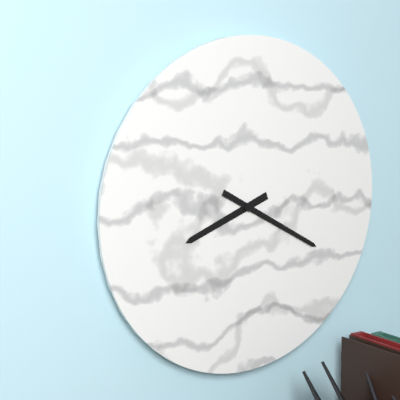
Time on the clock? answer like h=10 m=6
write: h=8 m=20
